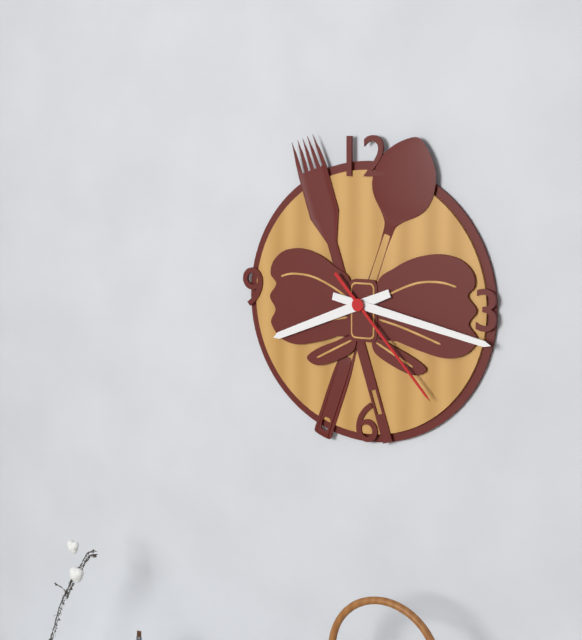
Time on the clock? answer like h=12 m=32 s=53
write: h=8 m=17 s=23
